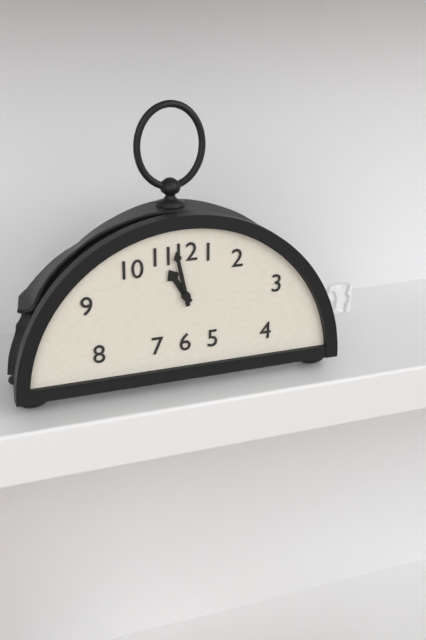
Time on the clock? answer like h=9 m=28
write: h=10 m=58
